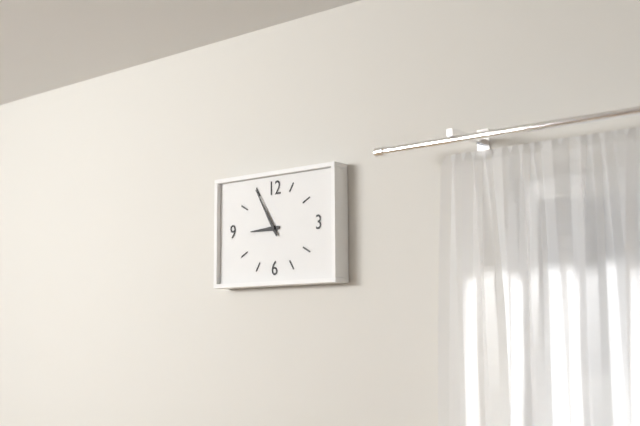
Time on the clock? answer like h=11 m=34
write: h=8 m=55
